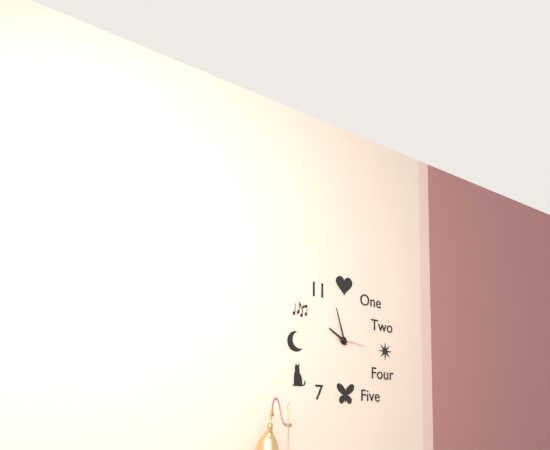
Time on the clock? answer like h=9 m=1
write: h=9 m=57
